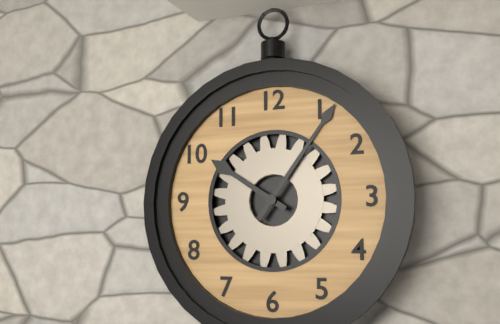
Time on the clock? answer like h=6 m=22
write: h=10 m=6
